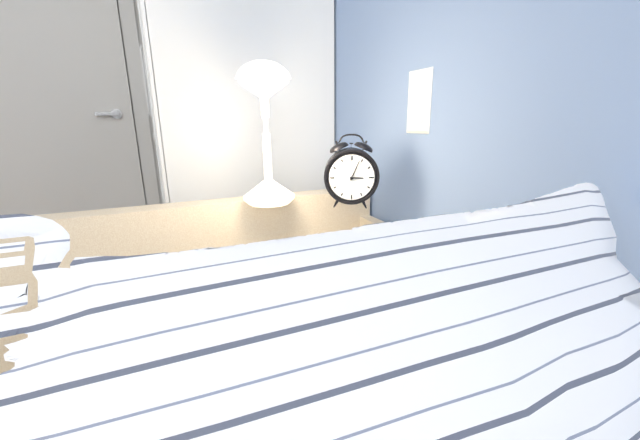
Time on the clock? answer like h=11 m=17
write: h=3 m=4
